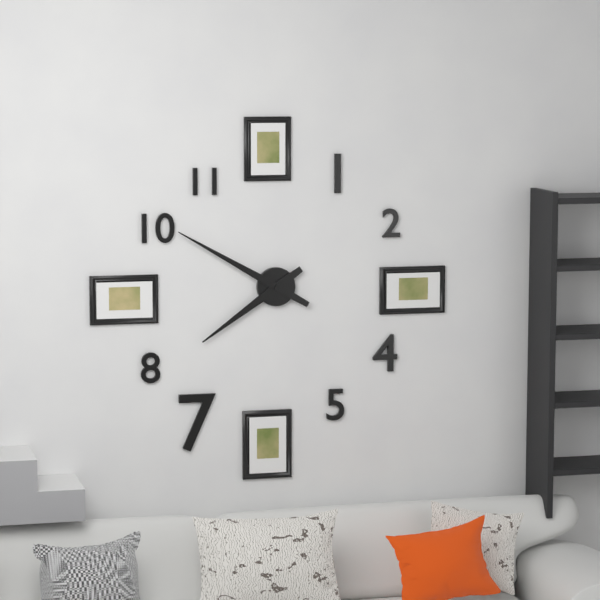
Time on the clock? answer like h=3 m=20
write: h=7 m=50
